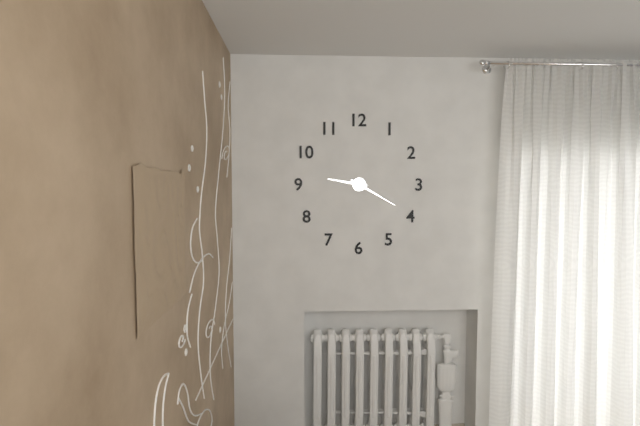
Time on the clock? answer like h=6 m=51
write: h=9 m=20
